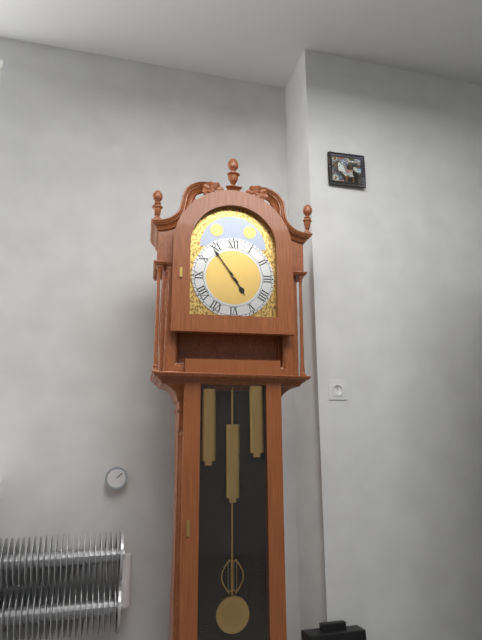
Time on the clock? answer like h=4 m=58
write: h=4 m=54
